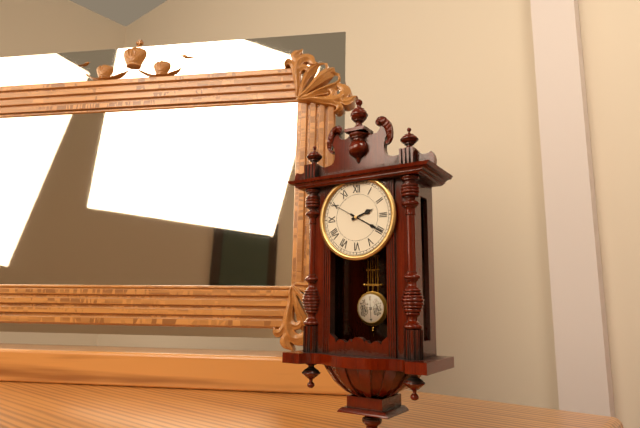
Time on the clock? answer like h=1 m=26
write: h=2 m=20
